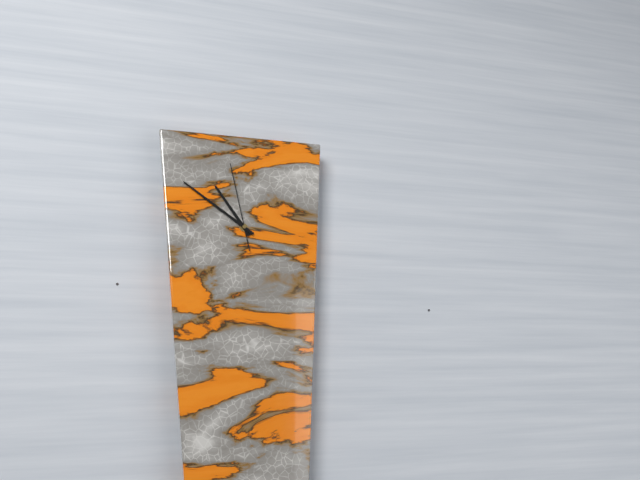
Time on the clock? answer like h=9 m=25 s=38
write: h=10 m=51 s=58
